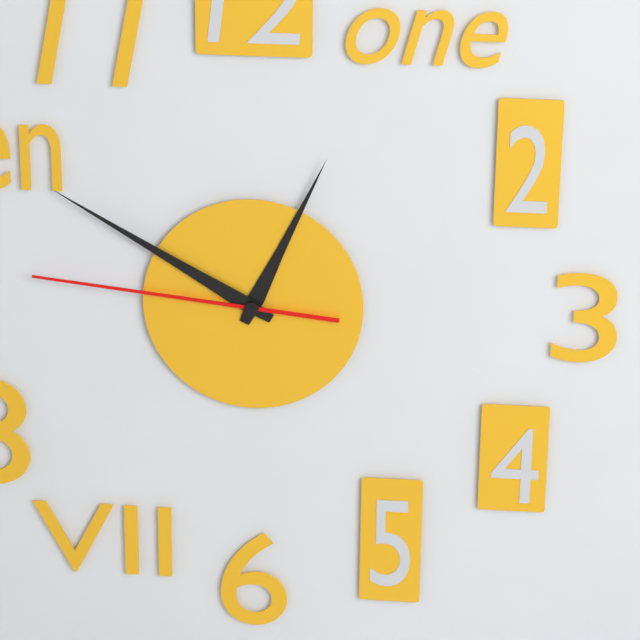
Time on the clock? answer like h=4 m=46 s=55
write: h=12 m=50 s=46
